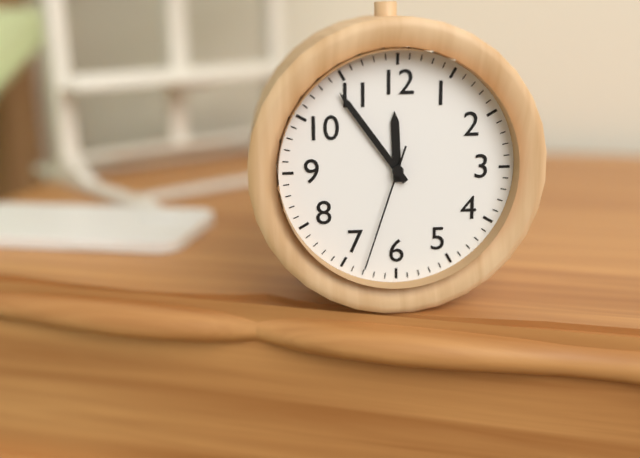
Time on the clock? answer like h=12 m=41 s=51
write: h=11 m=54 s=33
